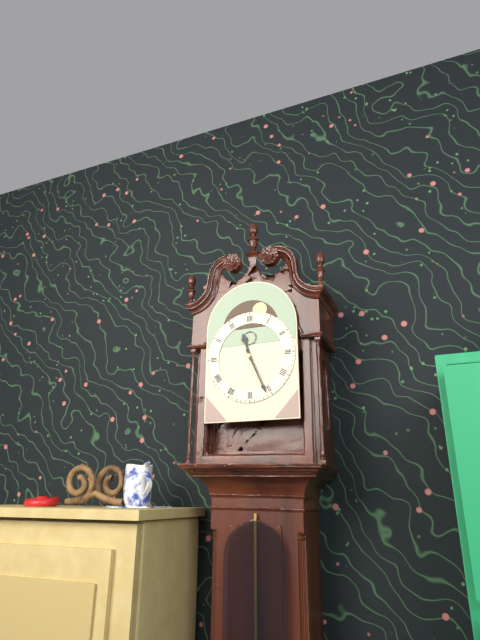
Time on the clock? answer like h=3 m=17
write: h=11 m=26
